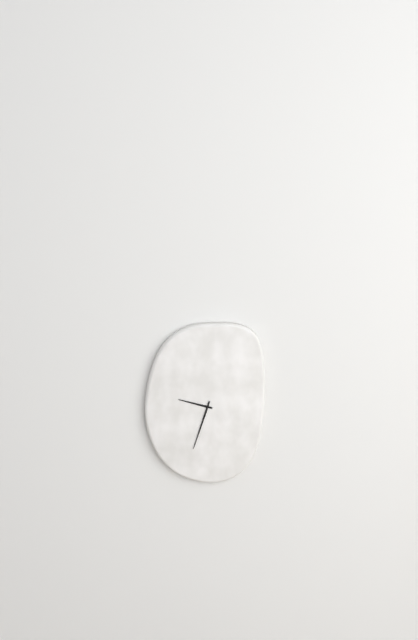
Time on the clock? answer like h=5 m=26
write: h=9 m=33
